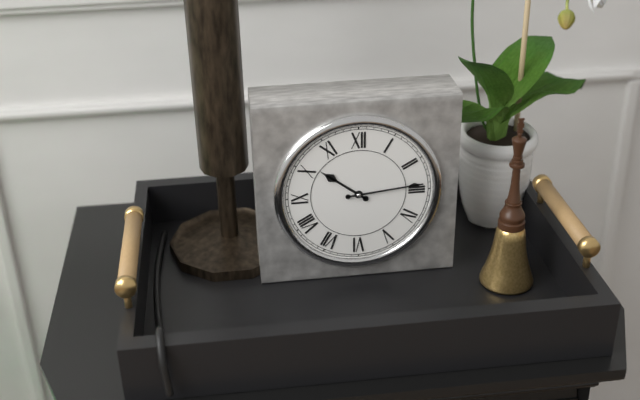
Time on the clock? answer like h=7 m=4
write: h=10 m=14
